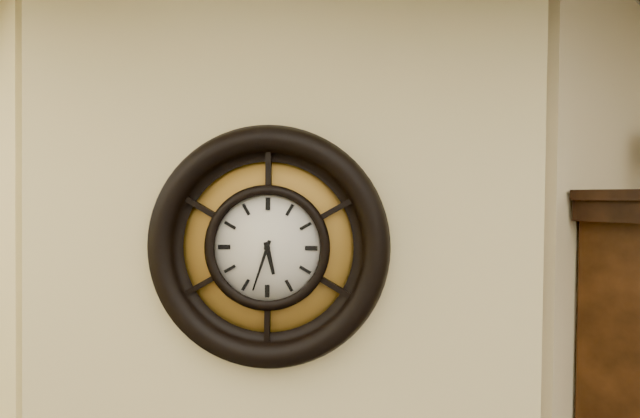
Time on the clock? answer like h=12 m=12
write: h=5 m=33
